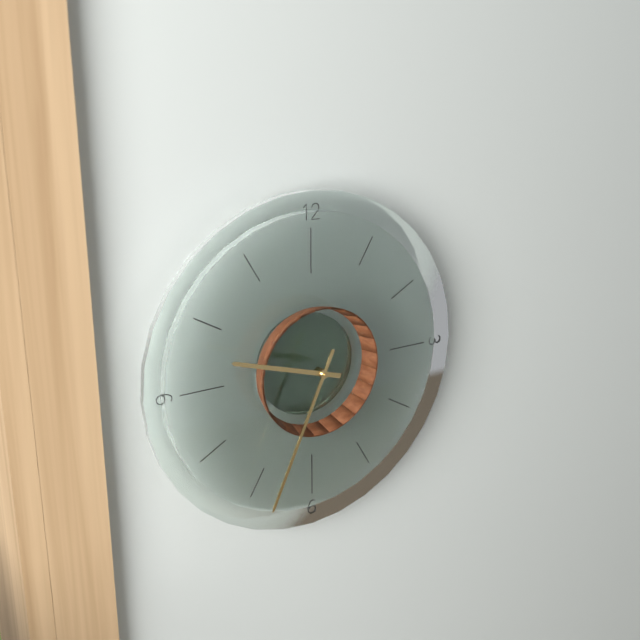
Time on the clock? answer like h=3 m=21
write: h=9 m=34
